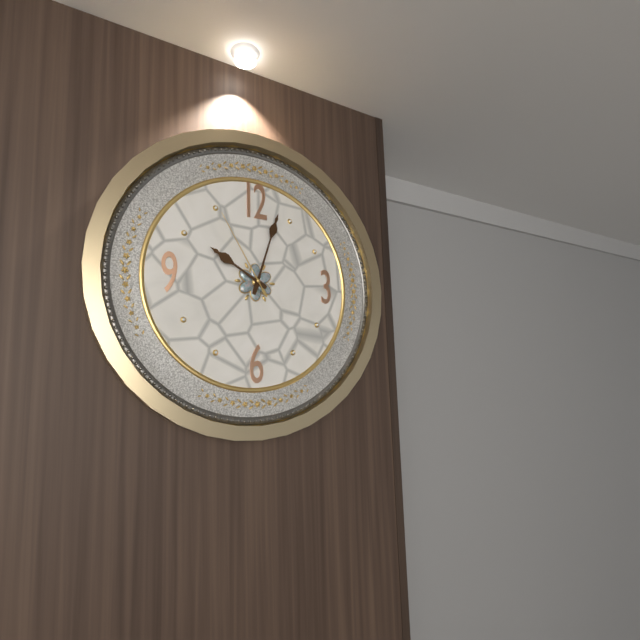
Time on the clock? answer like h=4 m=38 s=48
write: h=10 m=3 s=55
